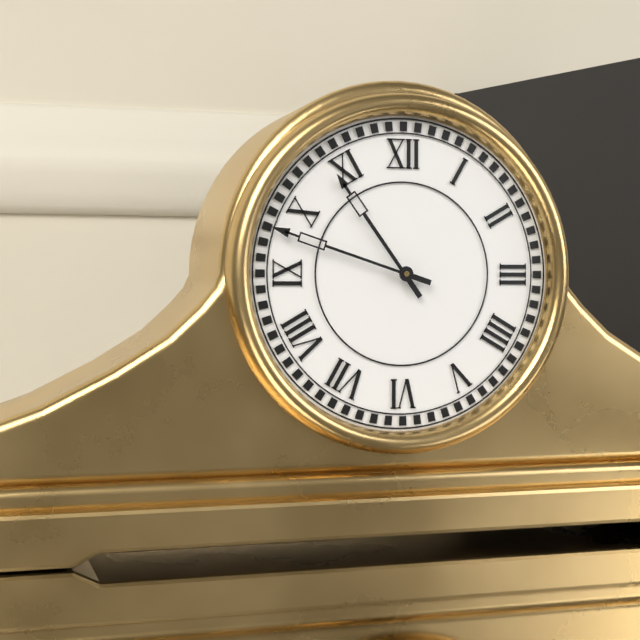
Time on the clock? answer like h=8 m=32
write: h=10 m=48
